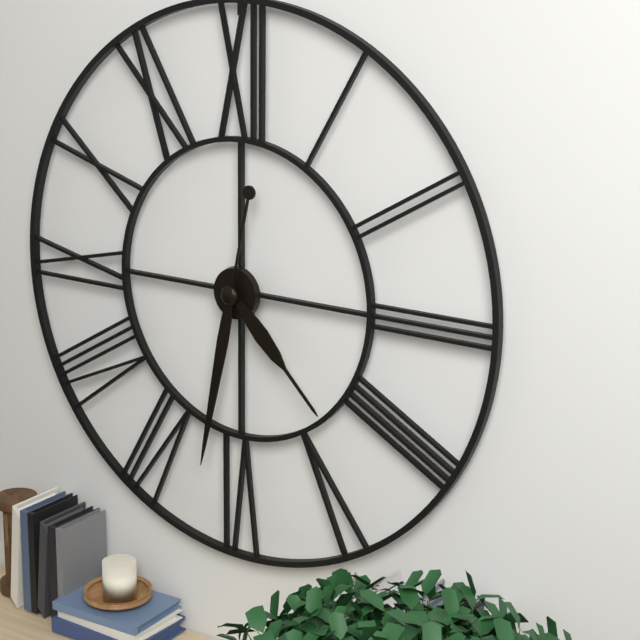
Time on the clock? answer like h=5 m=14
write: h=4 m=32
